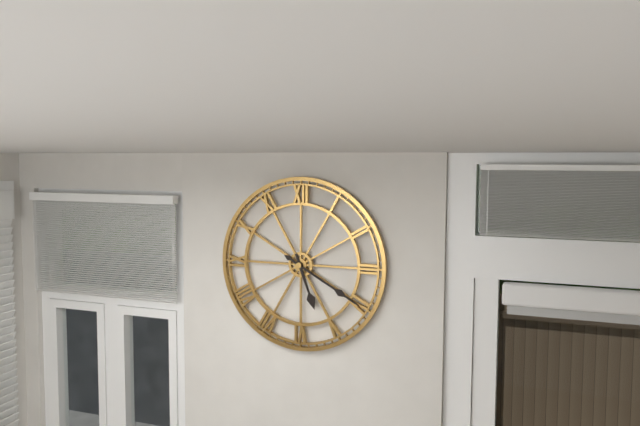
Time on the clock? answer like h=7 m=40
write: h=5 m=20
